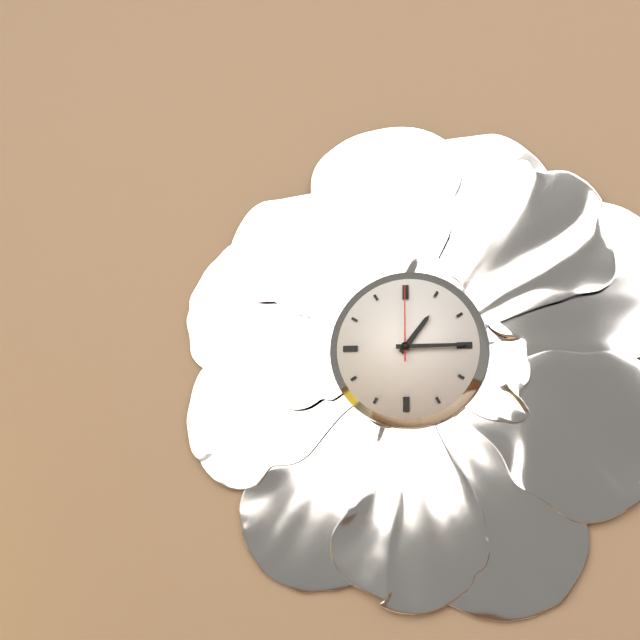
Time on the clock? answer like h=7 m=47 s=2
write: h=1 m=15 s=0
